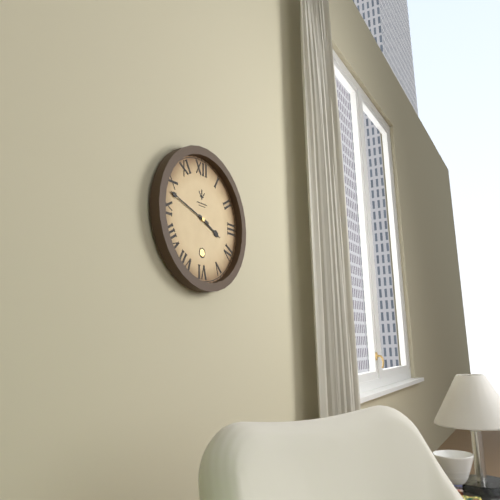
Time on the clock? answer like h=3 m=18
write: h=3 m=48
